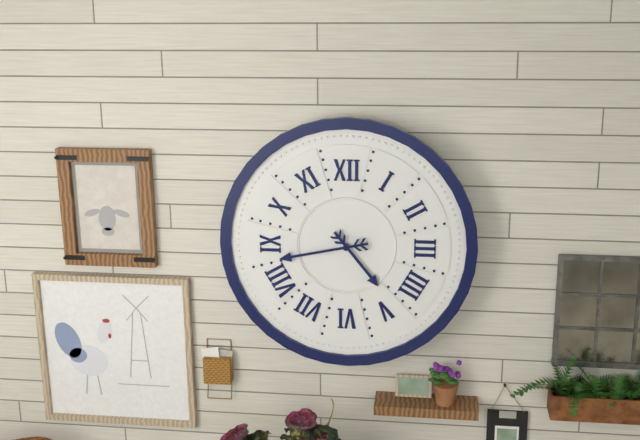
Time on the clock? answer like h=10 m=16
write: h=4 m=43
